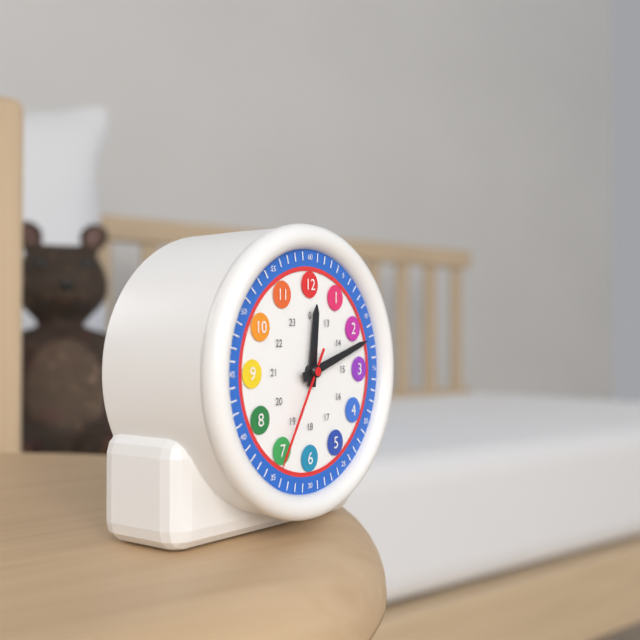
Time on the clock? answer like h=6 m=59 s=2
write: h=12 m=12 s=35
